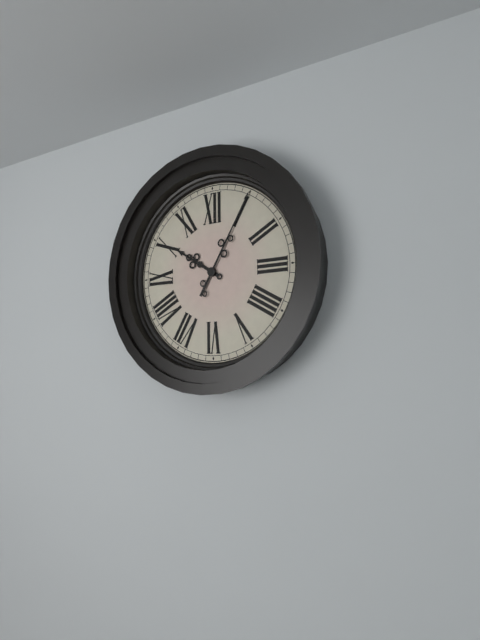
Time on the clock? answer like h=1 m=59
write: h=10 m=5
